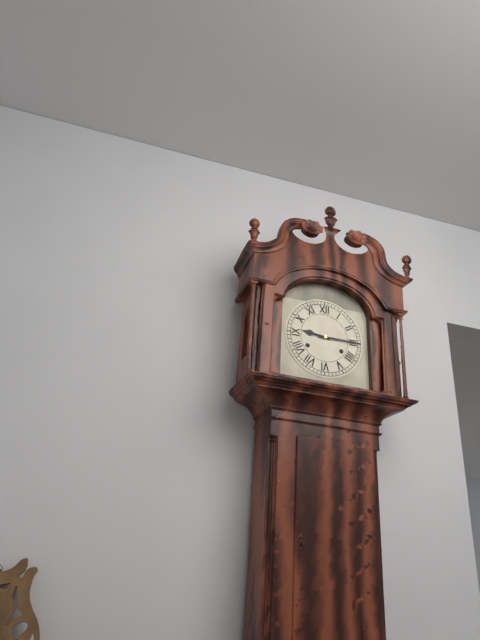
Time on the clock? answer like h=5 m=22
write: h=9 m=15
